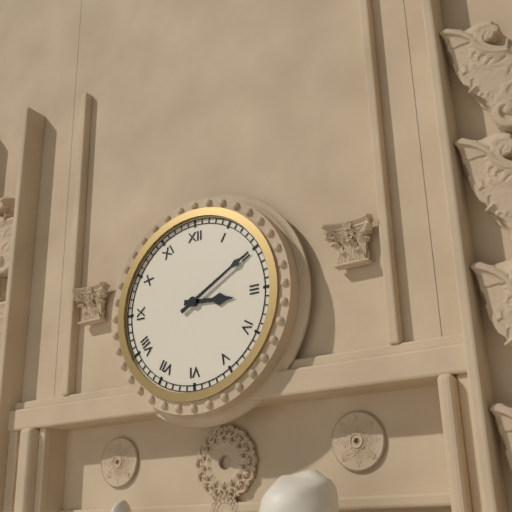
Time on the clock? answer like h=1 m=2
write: h=3 m=10
